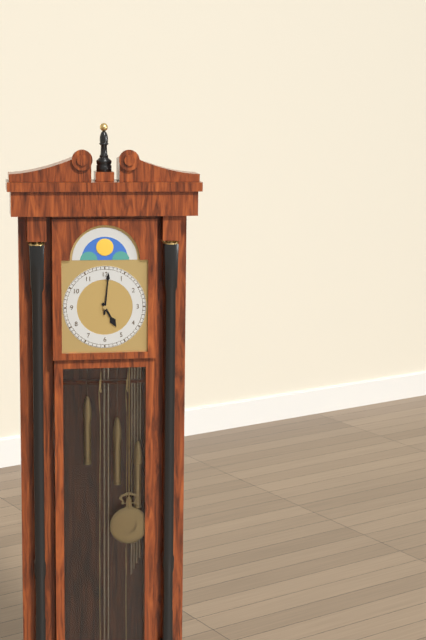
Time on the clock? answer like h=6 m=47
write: h=5 m=1
